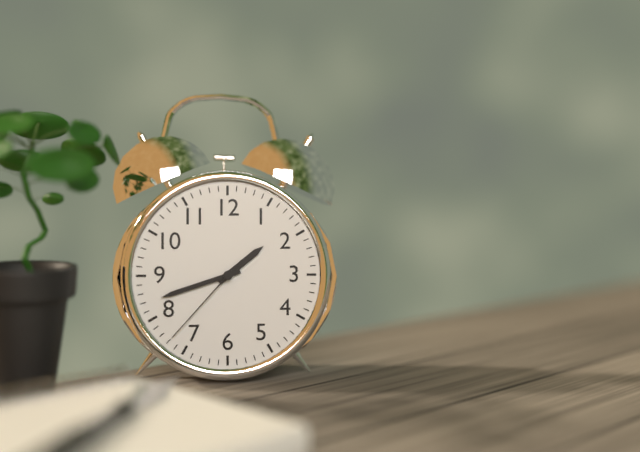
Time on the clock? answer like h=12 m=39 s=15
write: h=1 m=42 s=37
